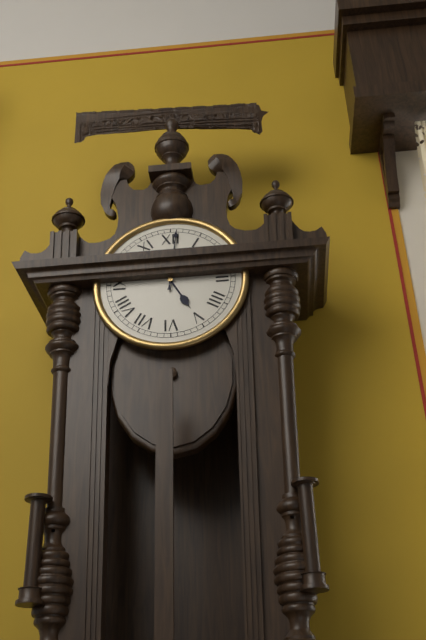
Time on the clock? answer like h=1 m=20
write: h=5 m=1
